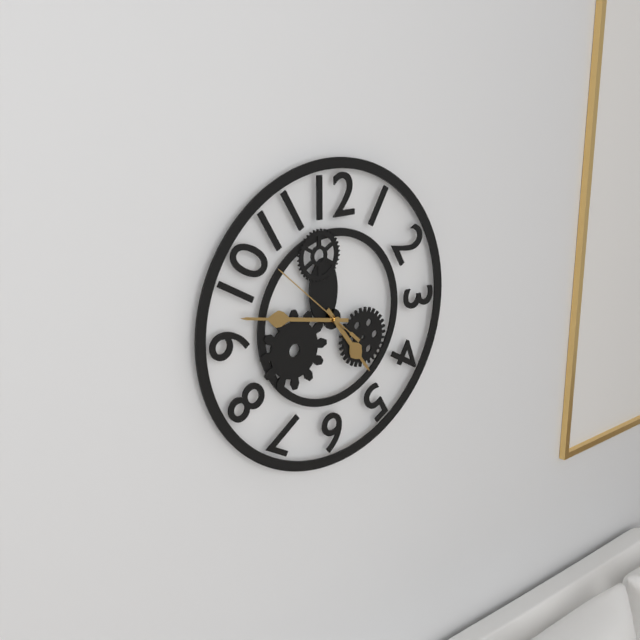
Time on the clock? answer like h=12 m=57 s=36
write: h=4 m=47 s=52
